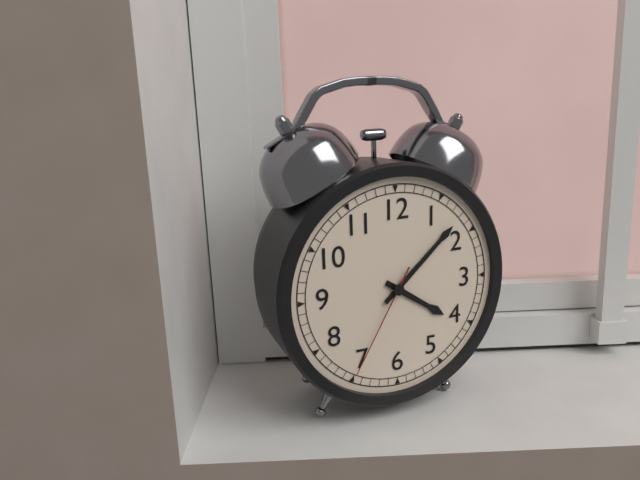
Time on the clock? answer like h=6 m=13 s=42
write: h=4 m=8 s=35
